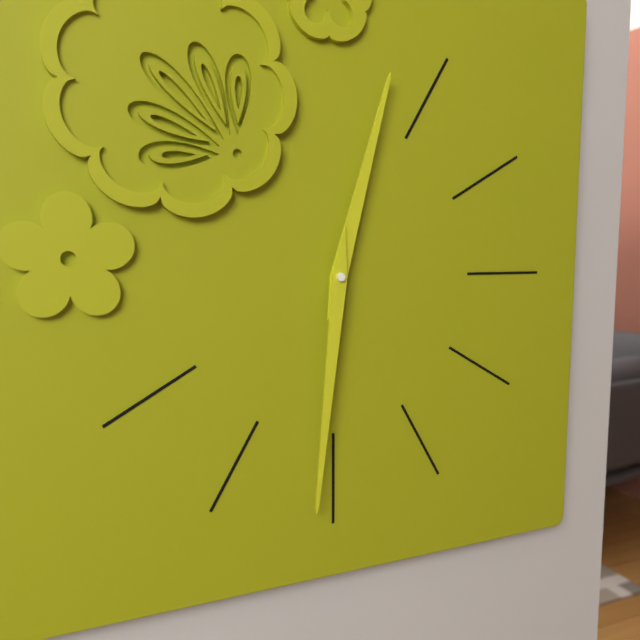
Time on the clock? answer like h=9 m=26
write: h=12 m=31
